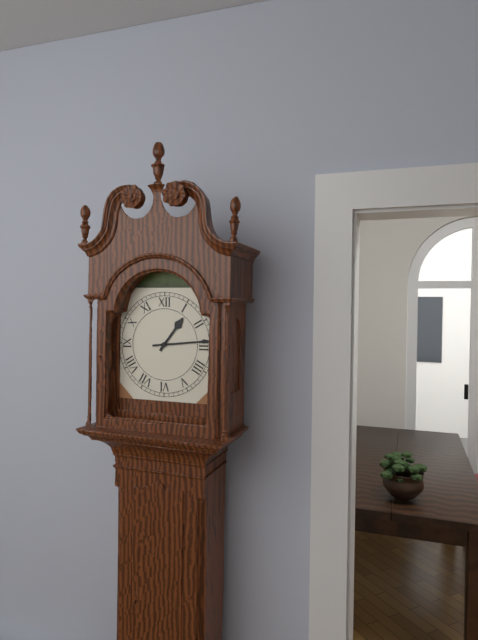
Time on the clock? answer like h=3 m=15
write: h=1 m=14
